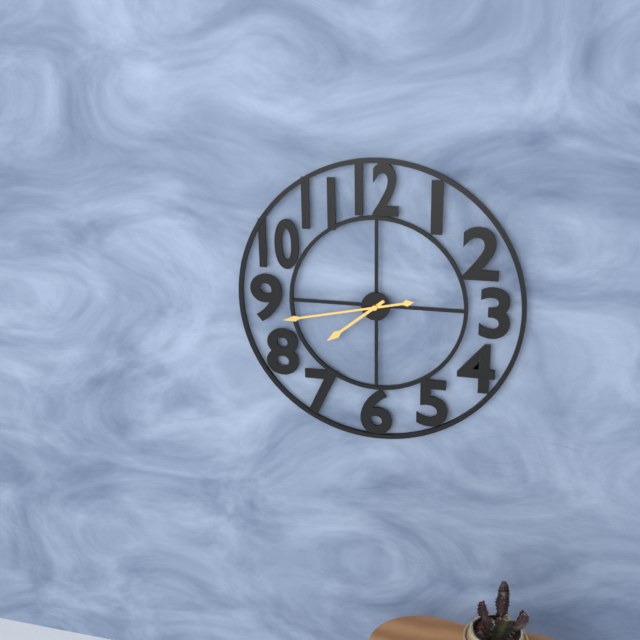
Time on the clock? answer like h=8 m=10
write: h=7 m=43
